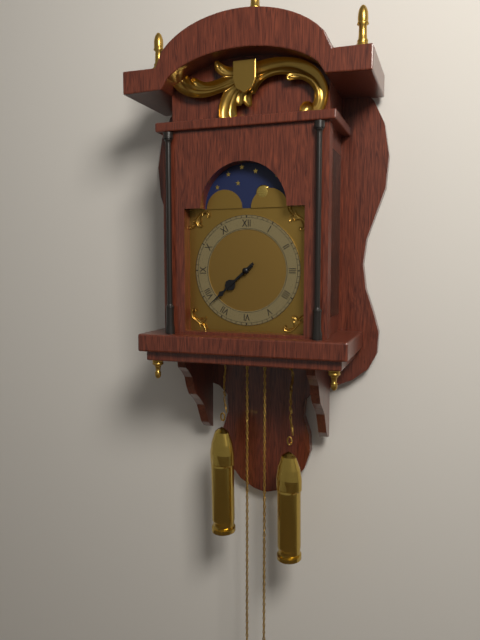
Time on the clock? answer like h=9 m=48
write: h=7 m=38
